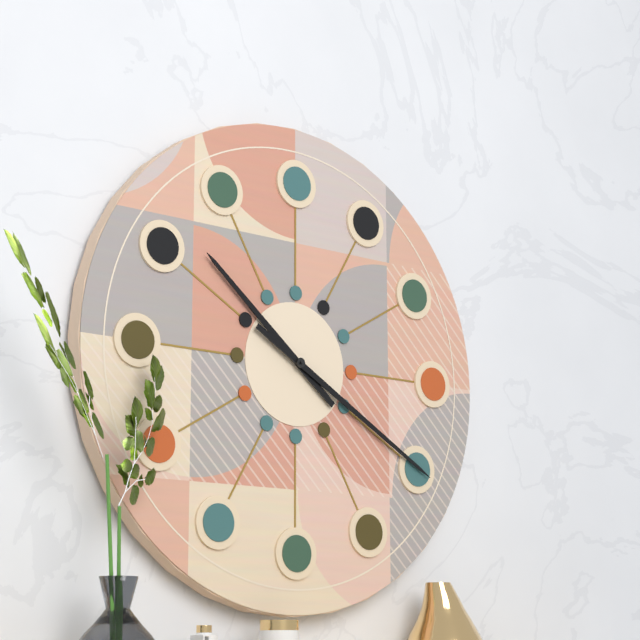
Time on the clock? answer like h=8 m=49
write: h=10 m=20
